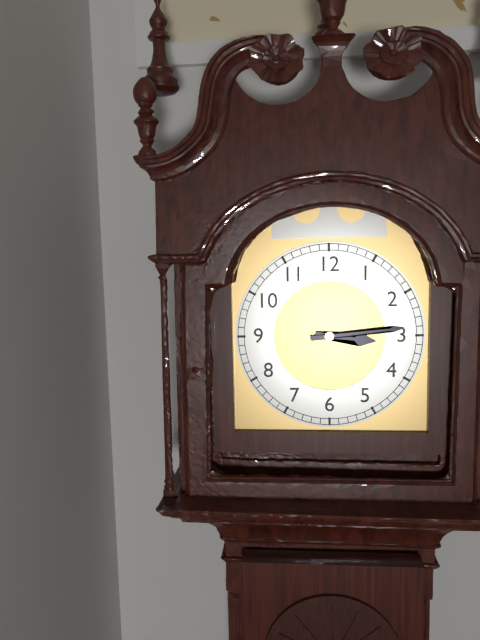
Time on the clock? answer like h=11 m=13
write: h=3 m=14
